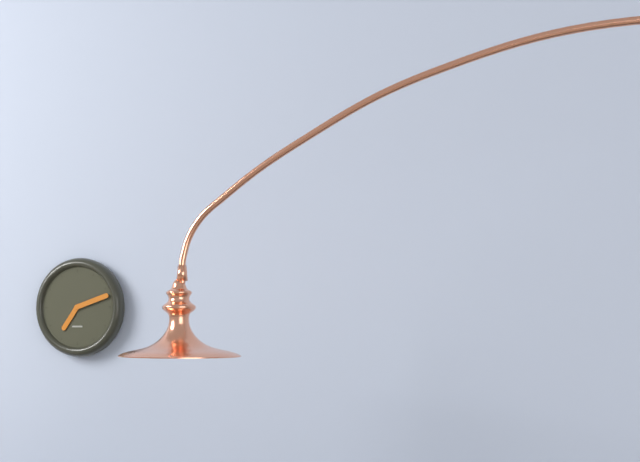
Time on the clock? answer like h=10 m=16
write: h=7 m=12
